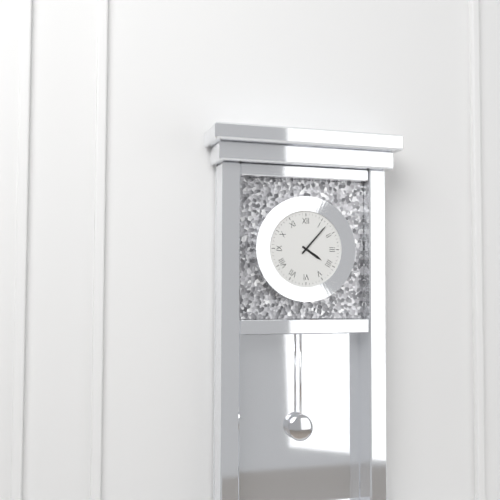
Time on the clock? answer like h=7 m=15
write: h=4 m=7
